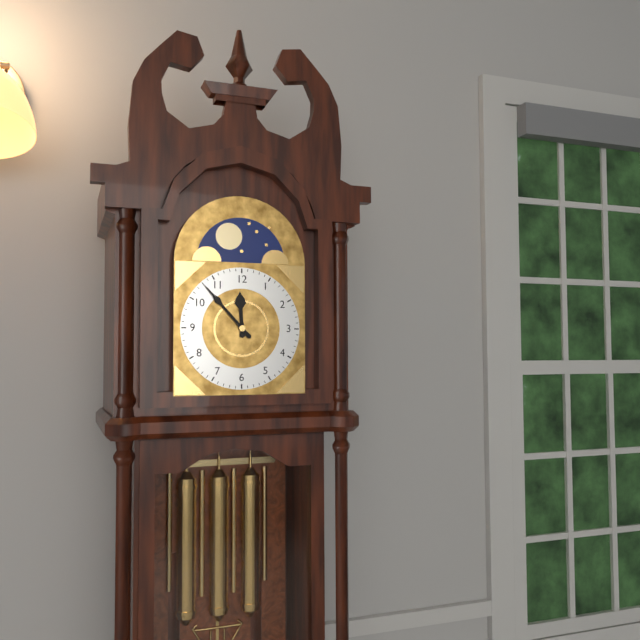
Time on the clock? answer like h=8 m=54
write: h=11 m=53
